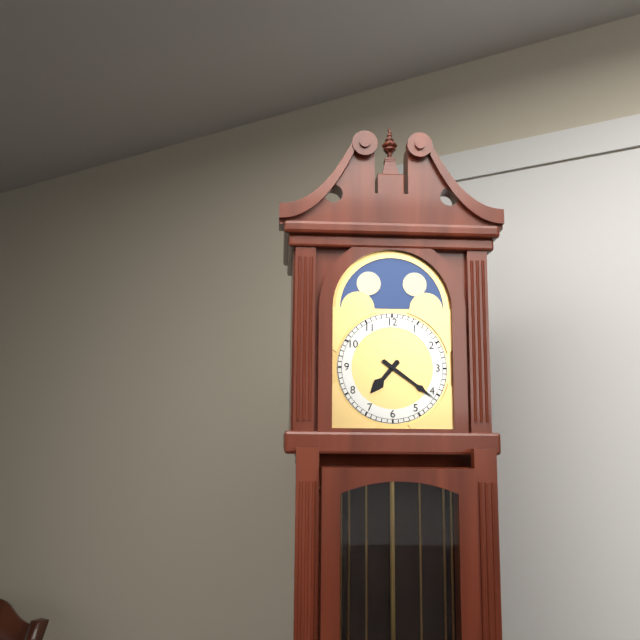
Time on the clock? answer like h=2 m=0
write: h=7 m=21
